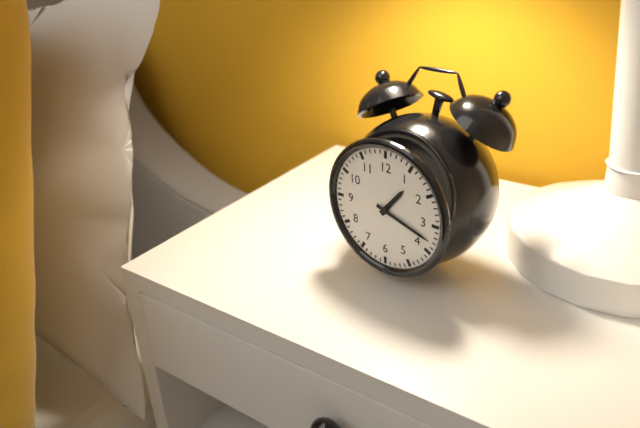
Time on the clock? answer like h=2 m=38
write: h=1 m=18
